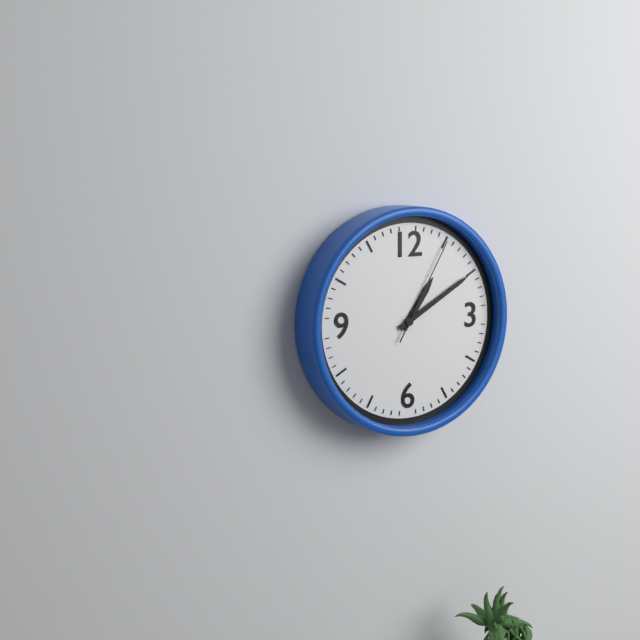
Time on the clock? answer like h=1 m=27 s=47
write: h=1 m=10 s=5
